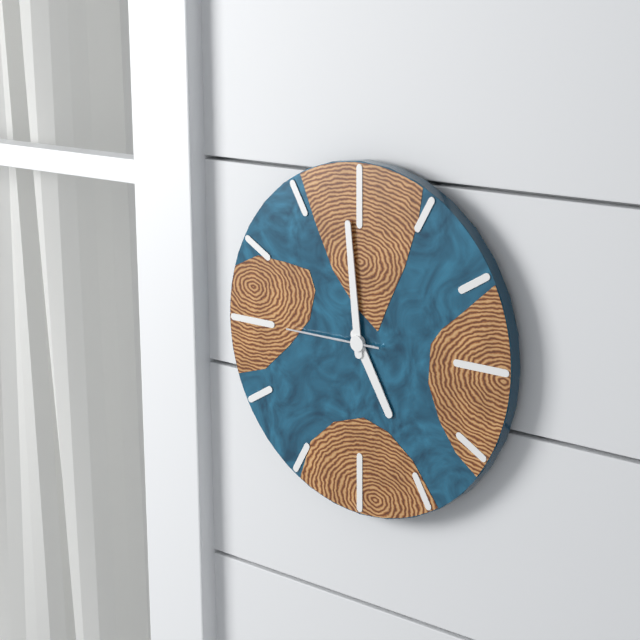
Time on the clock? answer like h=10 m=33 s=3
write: h=4 m=59 s=45
